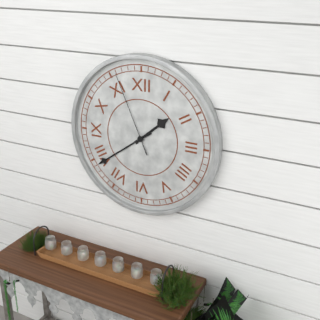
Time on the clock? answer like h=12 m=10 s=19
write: h=1 m=39 s=56
